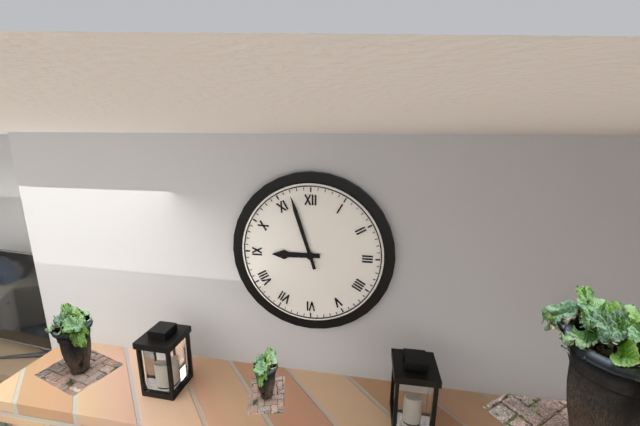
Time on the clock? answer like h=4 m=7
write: h=8 m=57
